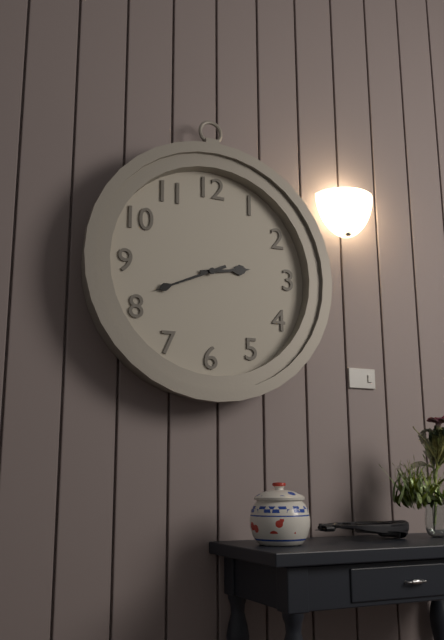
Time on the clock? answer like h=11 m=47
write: h=2 m=41
